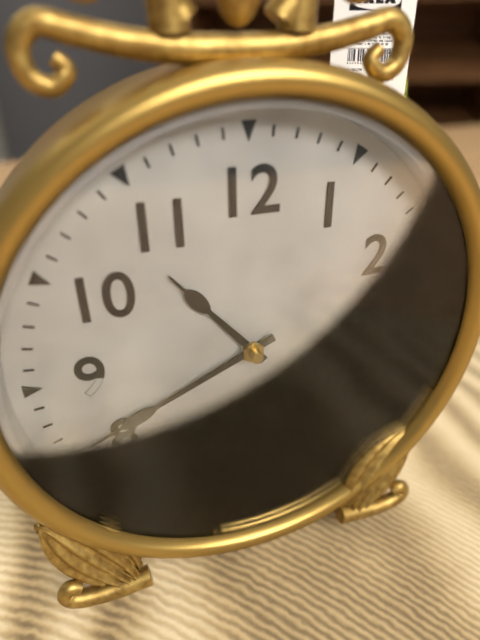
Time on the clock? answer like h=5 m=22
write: h=10 m=41
